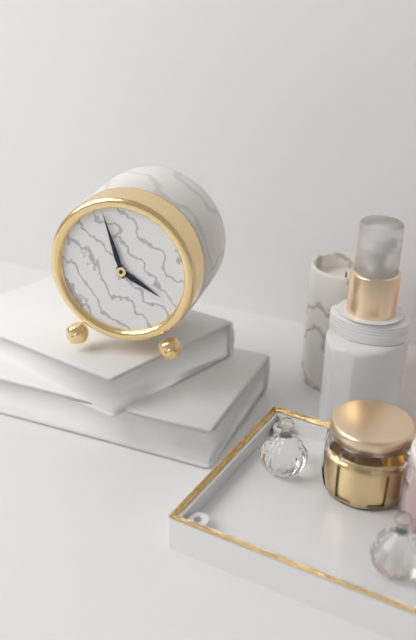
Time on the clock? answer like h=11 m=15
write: h=3 m=57
